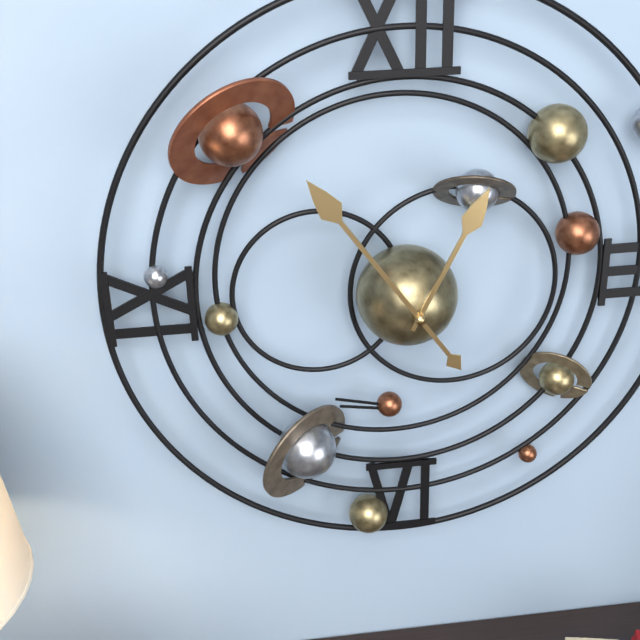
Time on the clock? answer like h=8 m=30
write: h=12 m=54
